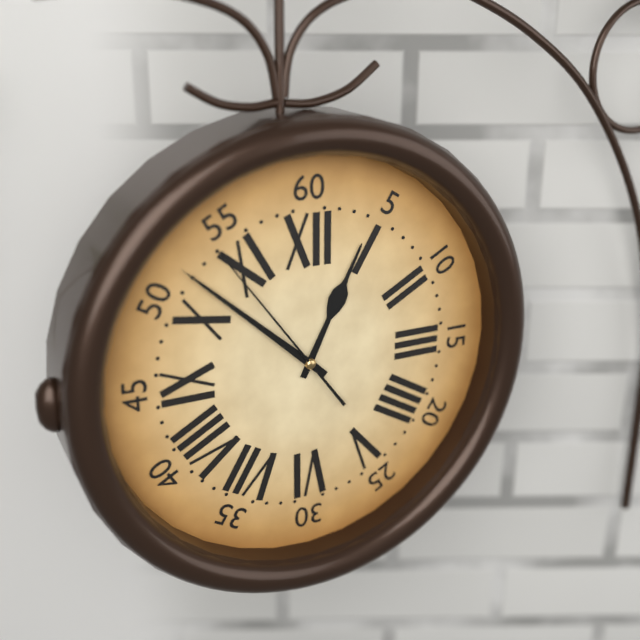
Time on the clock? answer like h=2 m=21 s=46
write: h=12 m=52 s=54
